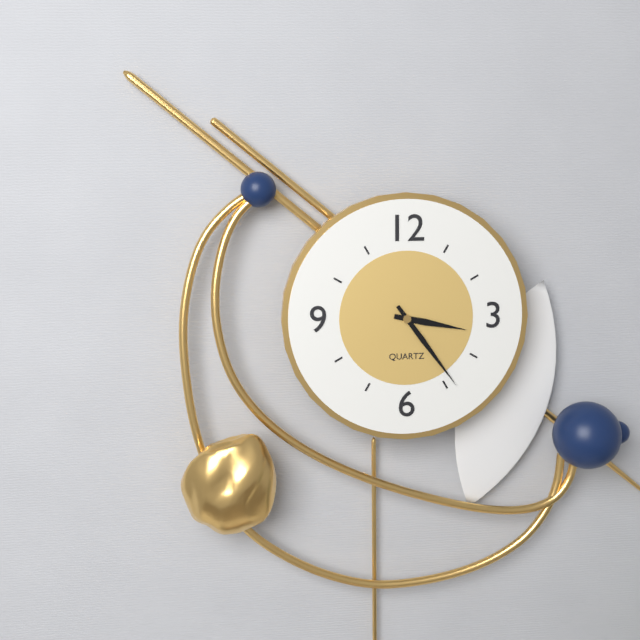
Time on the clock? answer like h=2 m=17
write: h=3 m=24
